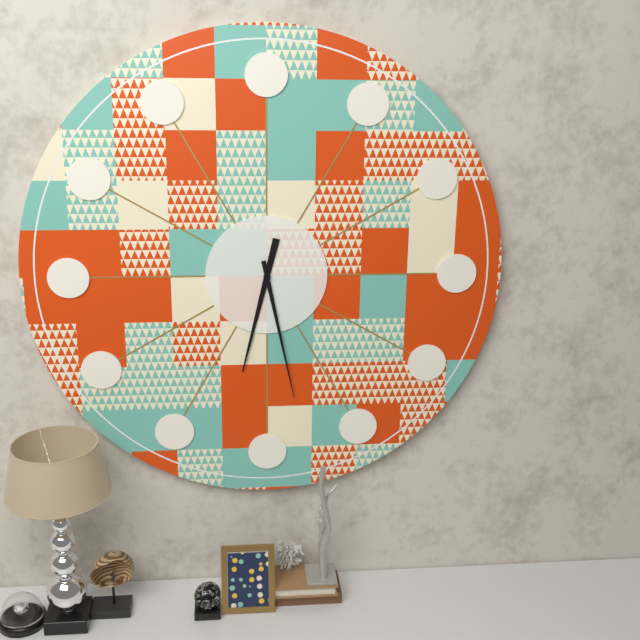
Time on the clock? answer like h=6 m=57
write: h=6 m=28
